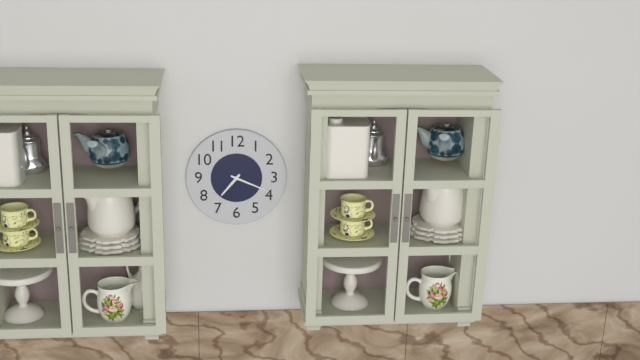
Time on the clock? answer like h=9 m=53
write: h=7 m=19
